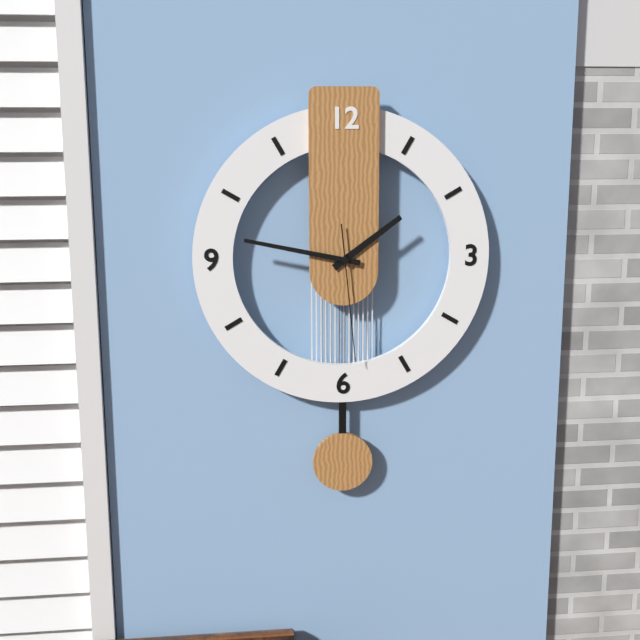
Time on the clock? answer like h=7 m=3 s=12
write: h=1 m=47 s=29
